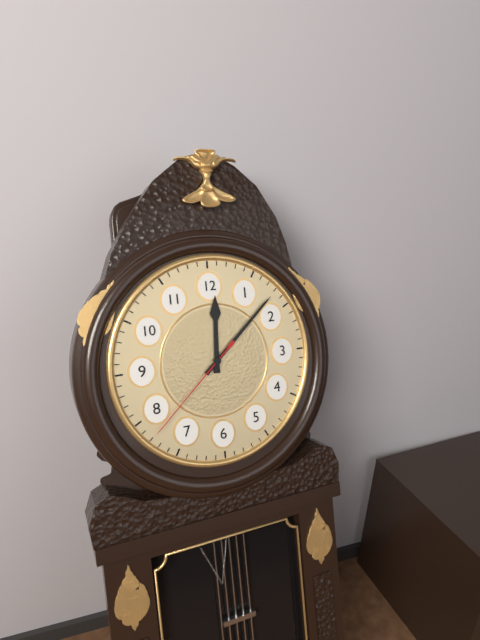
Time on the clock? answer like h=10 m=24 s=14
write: h=12 m=8 s=38
